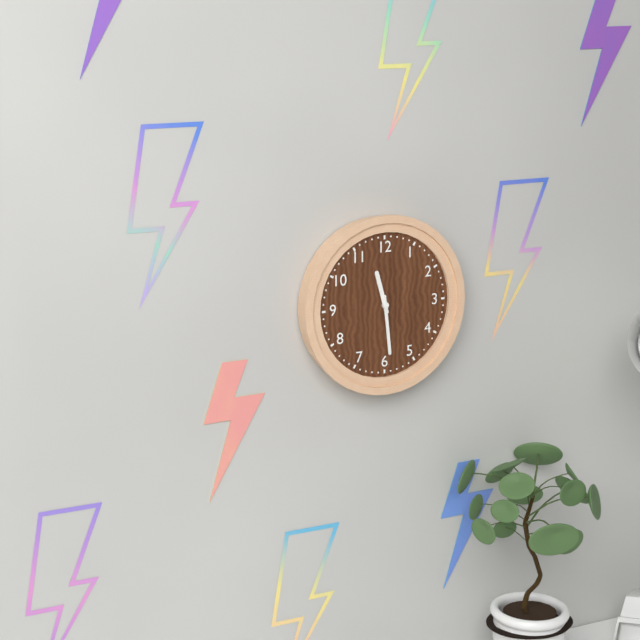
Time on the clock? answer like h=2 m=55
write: h=11 m=29
